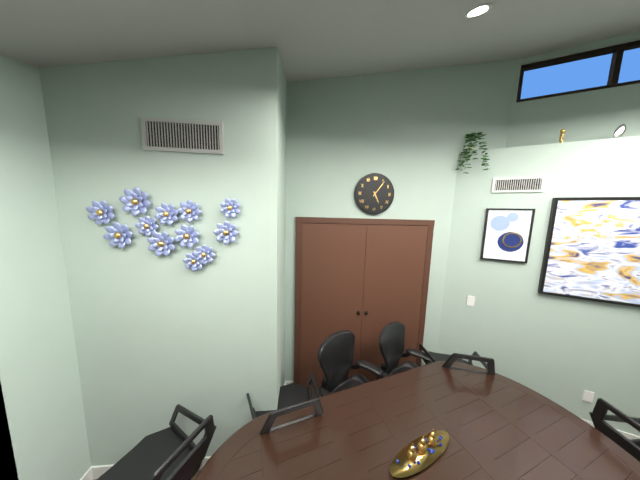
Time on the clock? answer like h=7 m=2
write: h=5 m=6
